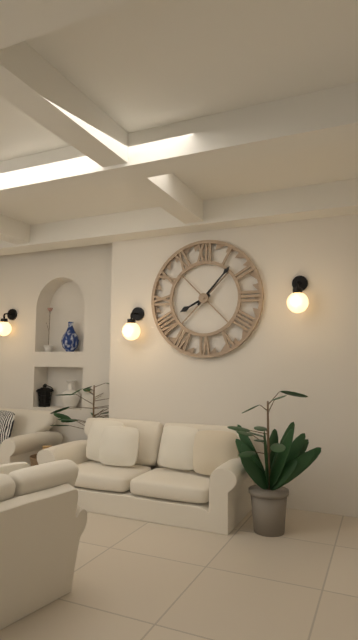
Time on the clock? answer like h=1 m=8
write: h=8 m=7
